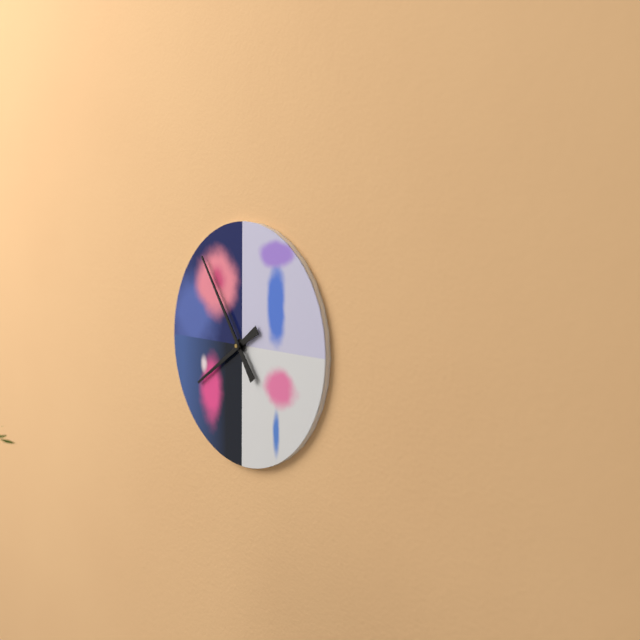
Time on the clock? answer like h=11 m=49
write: h=7 m=54
